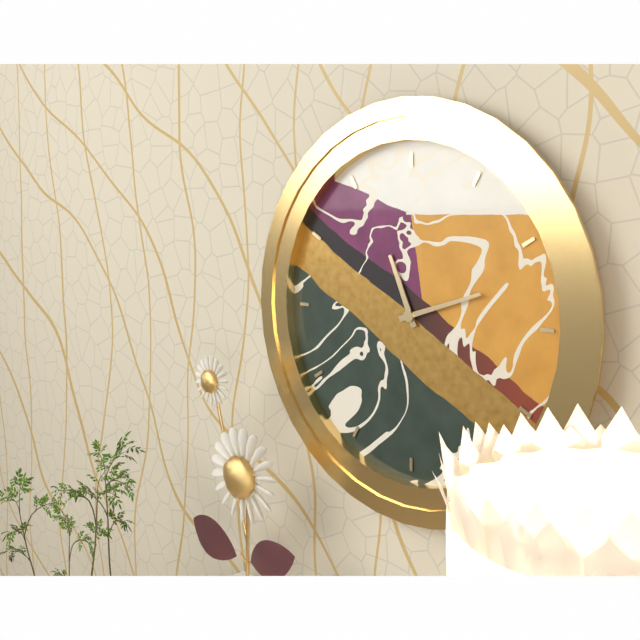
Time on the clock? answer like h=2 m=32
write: h=11 m=12
